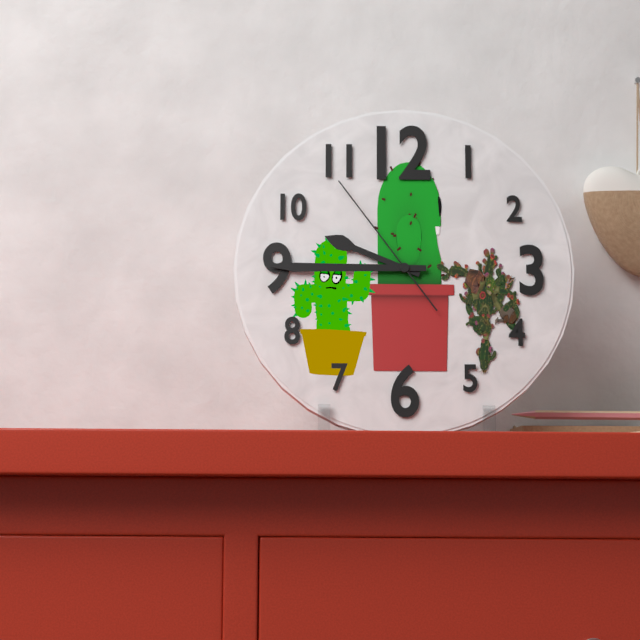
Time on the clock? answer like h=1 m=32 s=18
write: h=9 m=45 s=54
